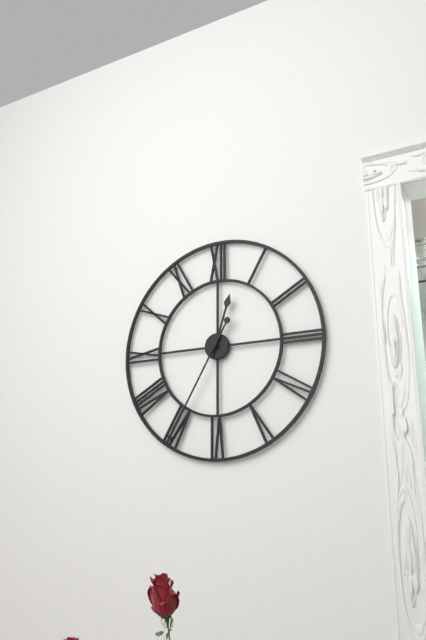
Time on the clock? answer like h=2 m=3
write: h=12 m=35
